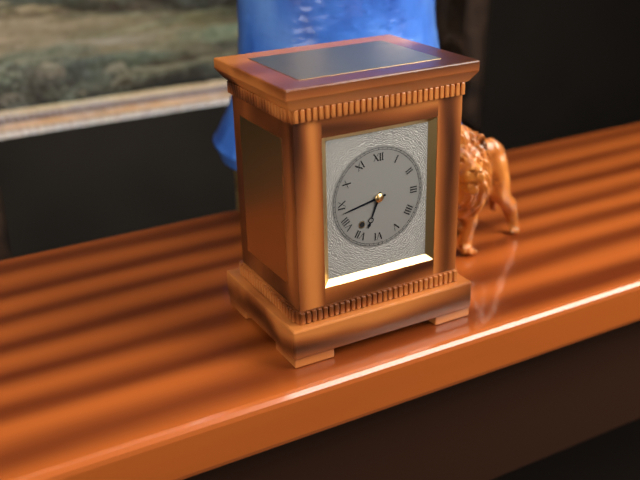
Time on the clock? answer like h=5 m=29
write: h=6 m=43
